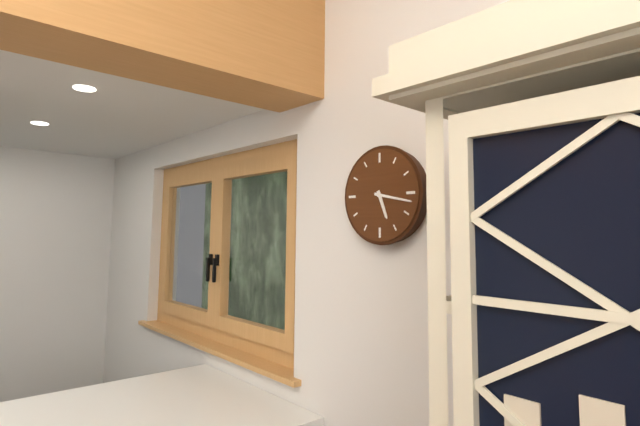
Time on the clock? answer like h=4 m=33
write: h=5 m=17
